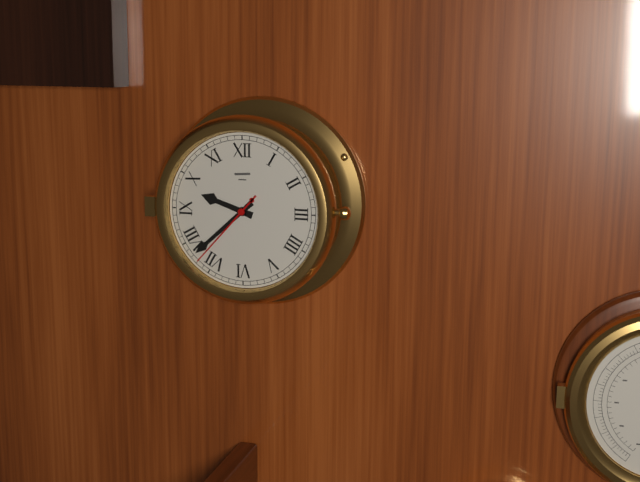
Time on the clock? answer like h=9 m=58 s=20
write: h=9 m=38 s=37
